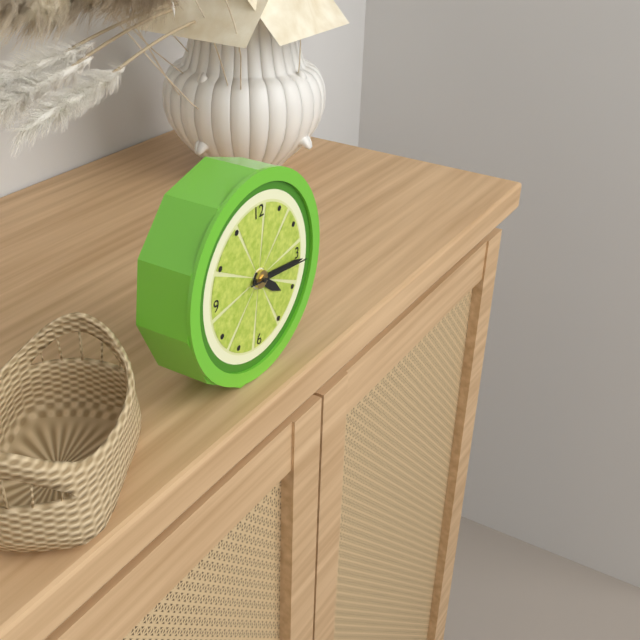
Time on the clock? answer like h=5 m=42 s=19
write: h=4 m=16 s=16
